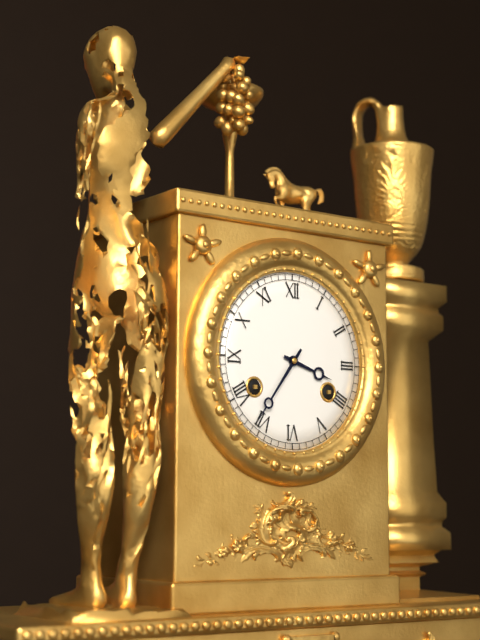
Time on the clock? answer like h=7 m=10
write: h=3 m=36
